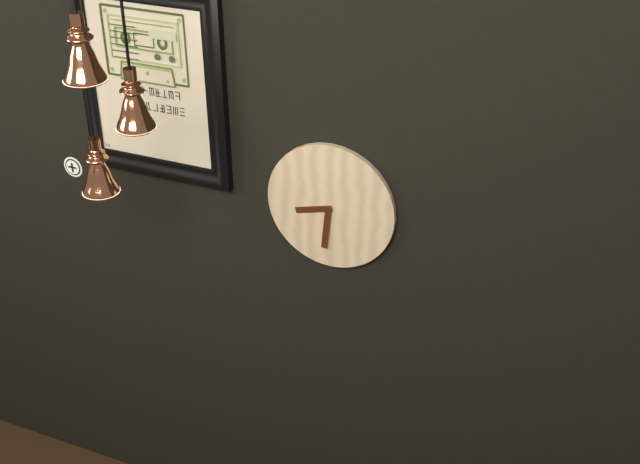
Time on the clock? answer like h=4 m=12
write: h=8 m=31
